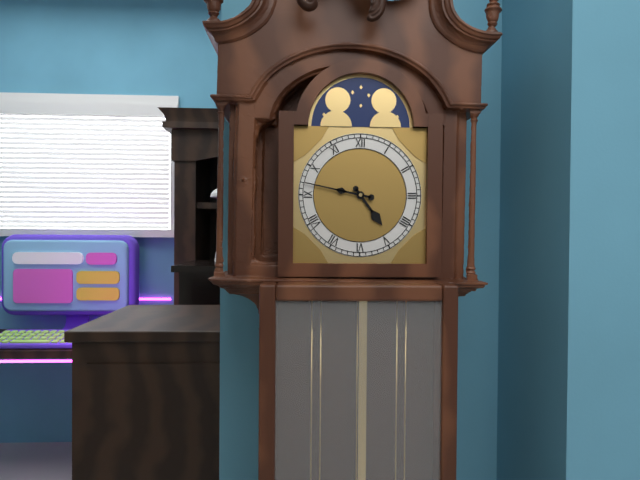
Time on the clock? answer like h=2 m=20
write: h=4 m=47
